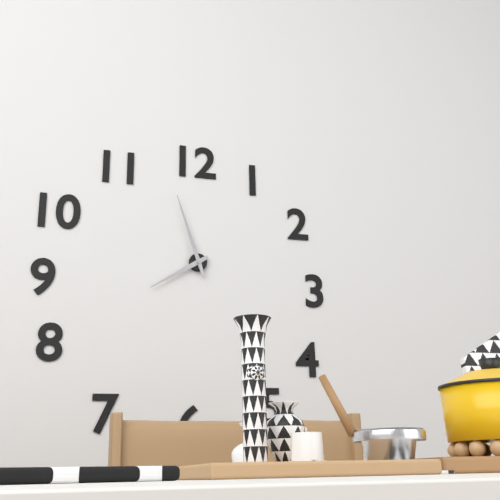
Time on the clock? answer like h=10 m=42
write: h=7 m=57
